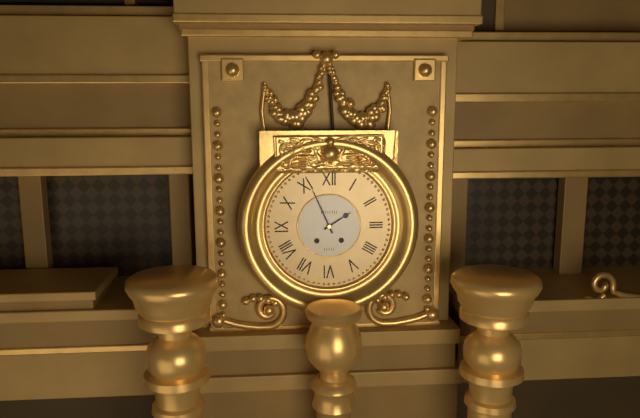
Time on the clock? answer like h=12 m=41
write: h=1 m=56
